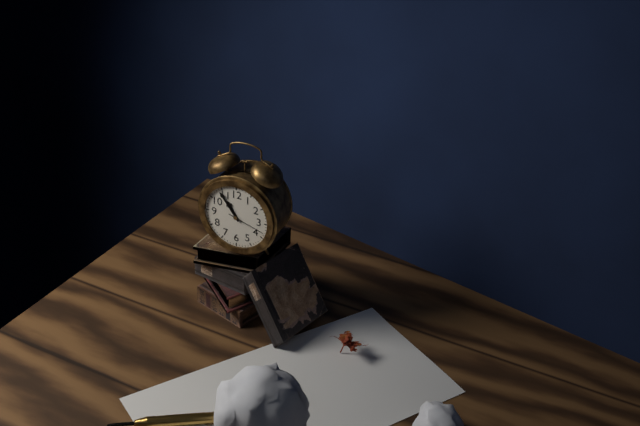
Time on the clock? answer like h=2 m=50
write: h=10 m=54
